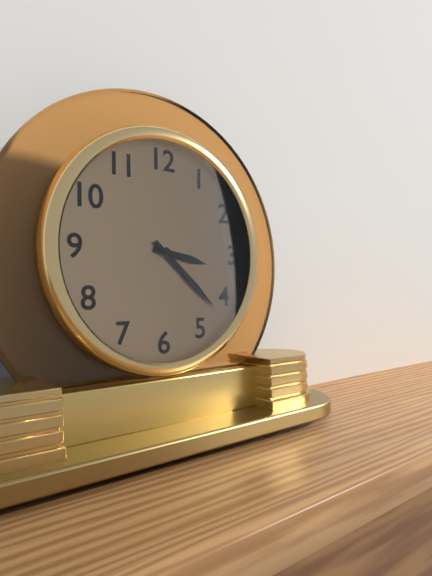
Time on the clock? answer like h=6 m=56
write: h=3 m=22
